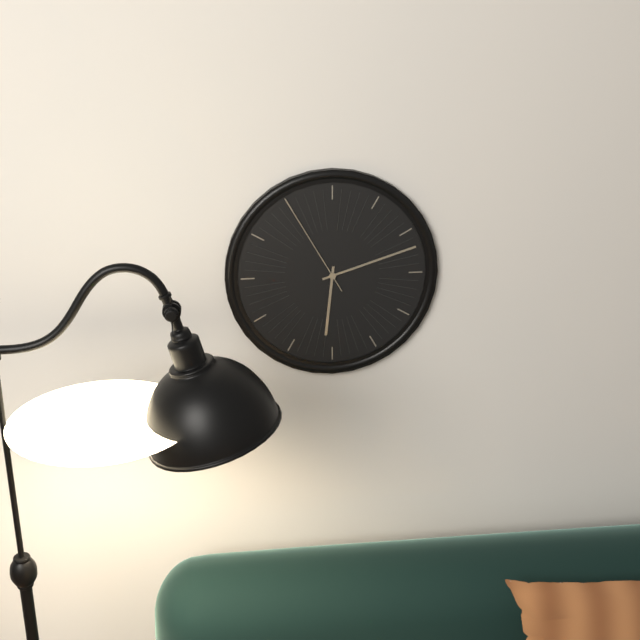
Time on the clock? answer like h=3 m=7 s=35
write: h=6 m=12 s=55
